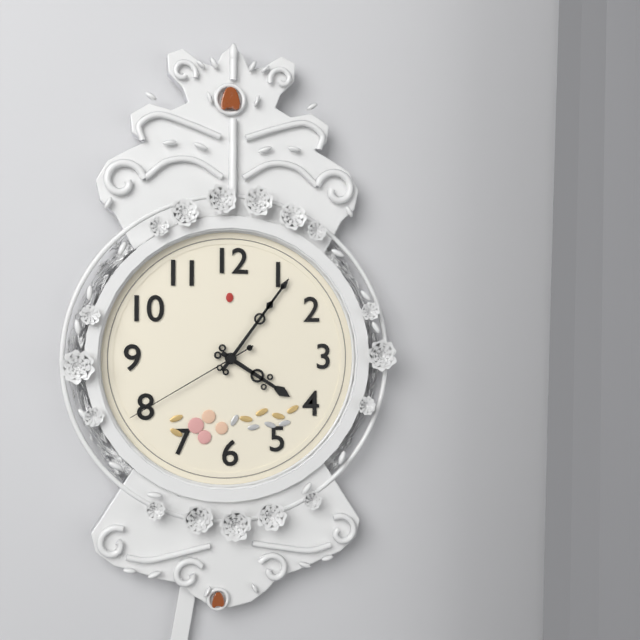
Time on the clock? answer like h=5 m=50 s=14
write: h=4 m=6 s=40
